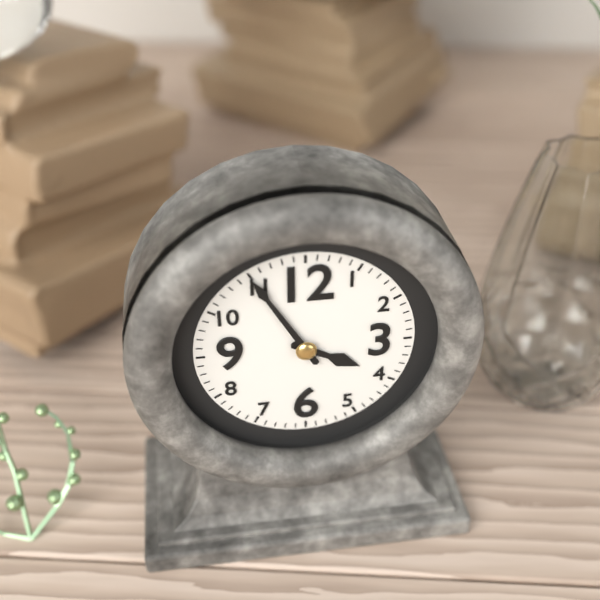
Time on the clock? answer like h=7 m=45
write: h=3 m=55
